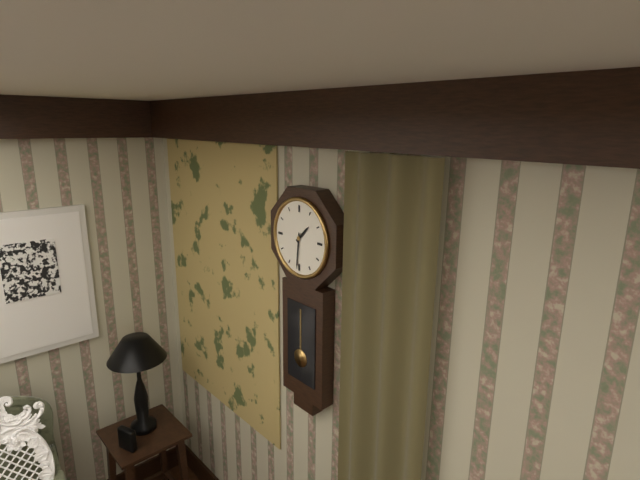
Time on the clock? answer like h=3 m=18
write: h=1 m=31
